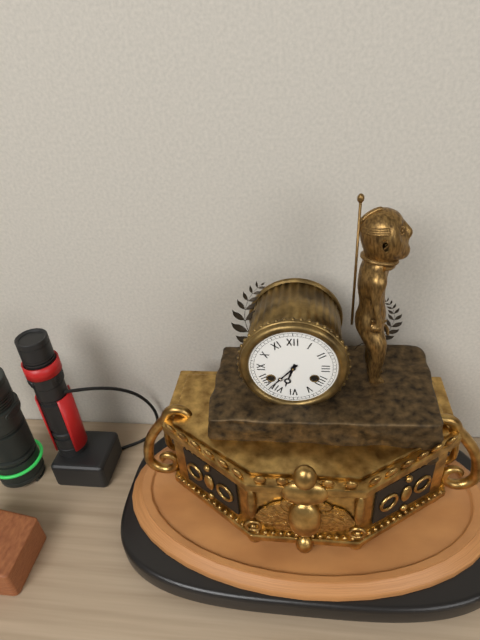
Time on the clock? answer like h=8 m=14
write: h=6 m=37
